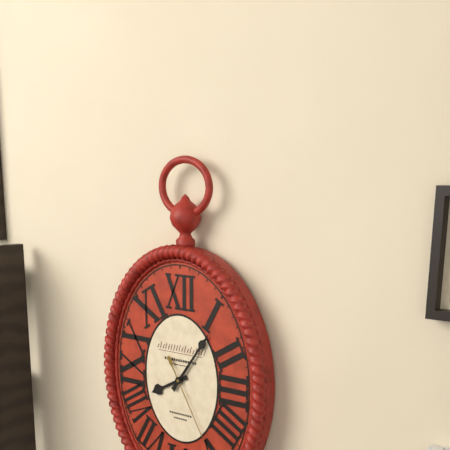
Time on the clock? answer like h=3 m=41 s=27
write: h=8 m=6 s=25
